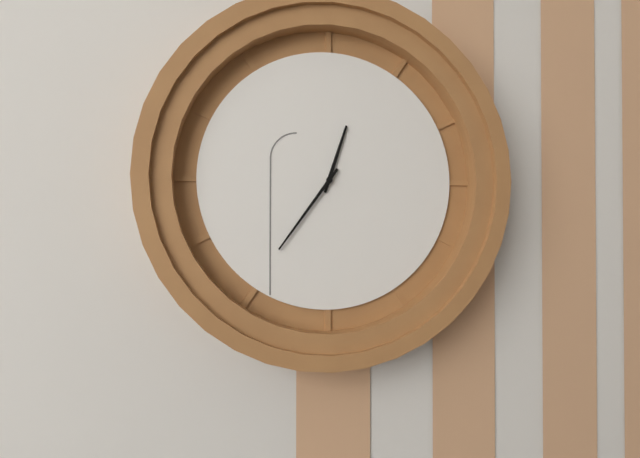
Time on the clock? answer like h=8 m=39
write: h=12 m=36
